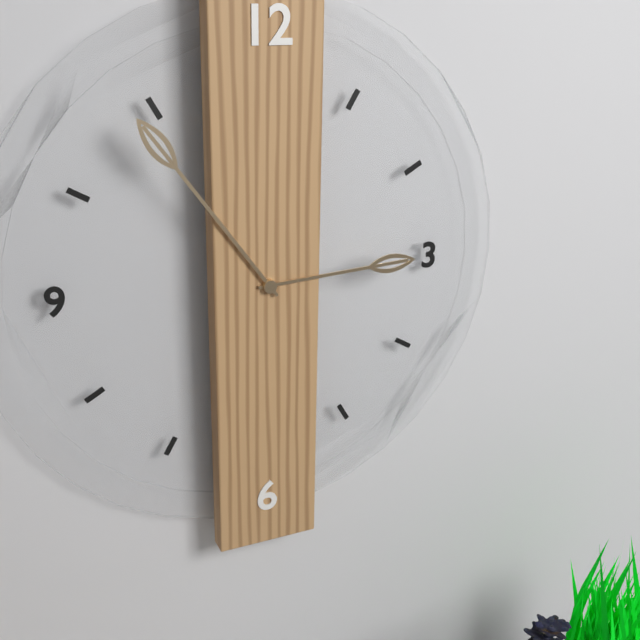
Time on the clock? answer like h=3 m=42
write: h=2 m=54
